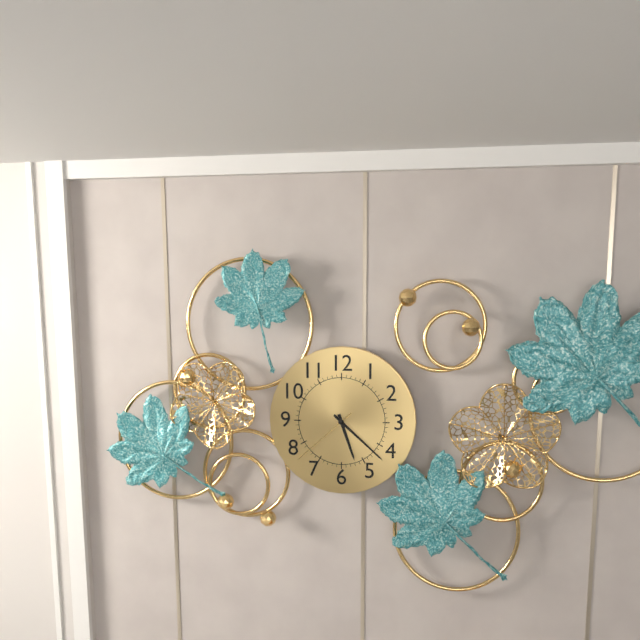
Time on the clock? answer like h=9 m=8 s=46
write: h=5 m=22 s=38
